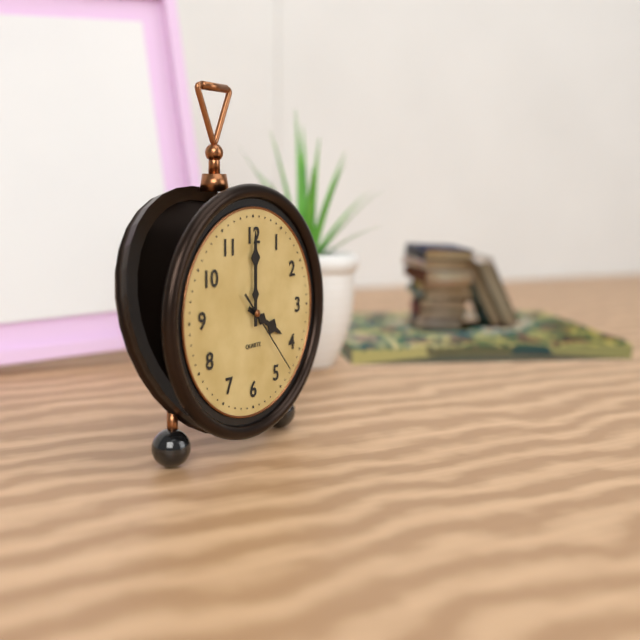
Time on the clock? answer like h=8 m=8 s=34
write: h=4 m=0 s=23
